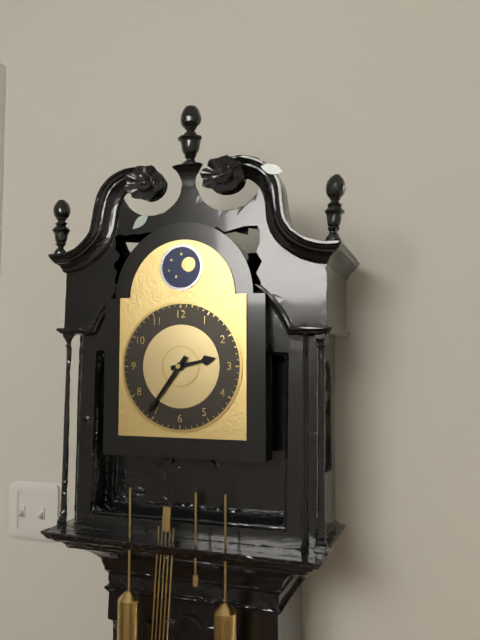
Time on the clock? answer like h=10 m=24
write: h=2 m=36
